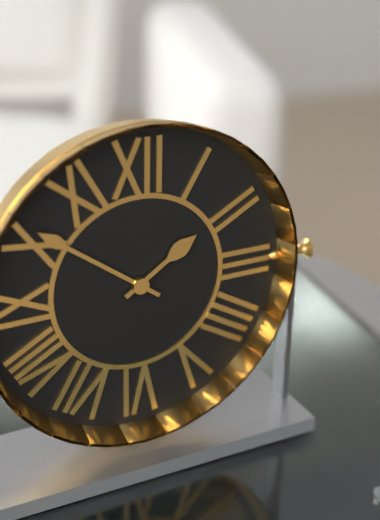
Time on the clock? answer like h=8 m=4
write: h=1 m=51
